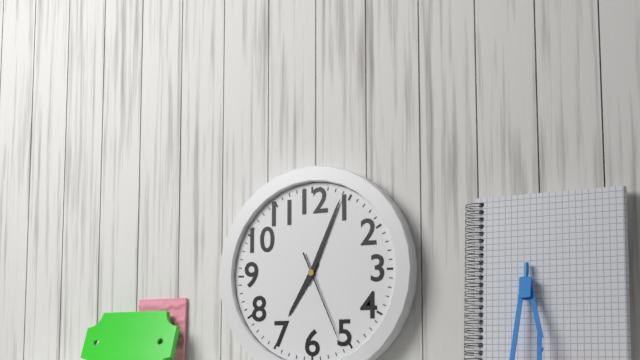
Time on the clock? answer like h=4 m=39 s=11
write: h=7 m=4 s=26
